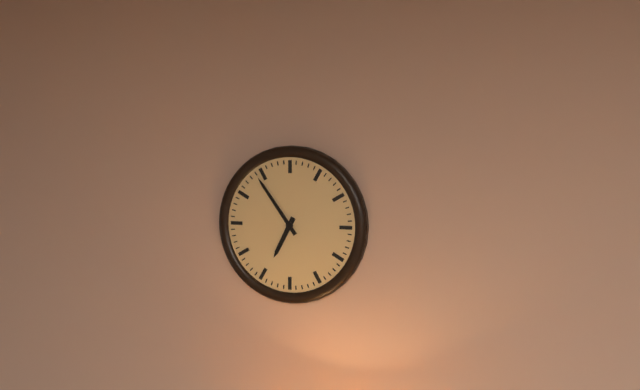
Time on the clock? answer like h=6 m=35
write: h=6 m=54
